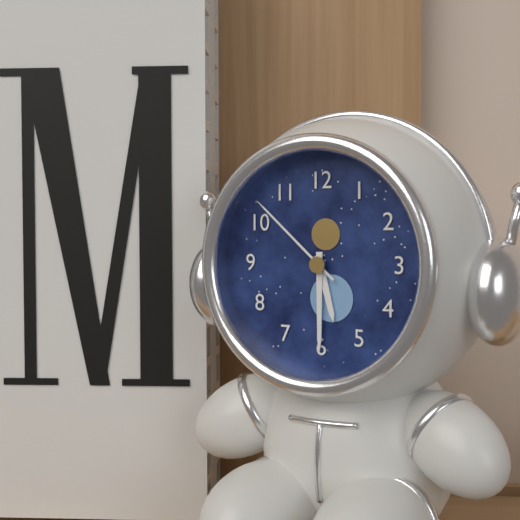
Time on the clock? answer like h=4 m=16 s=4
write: h=5 m=30 s=52
